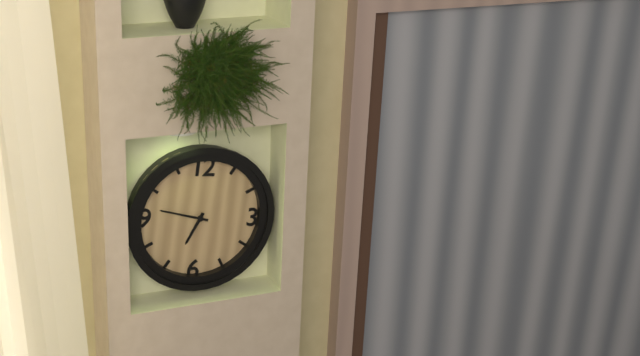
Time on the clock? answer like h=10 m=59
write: h=6 m=47
